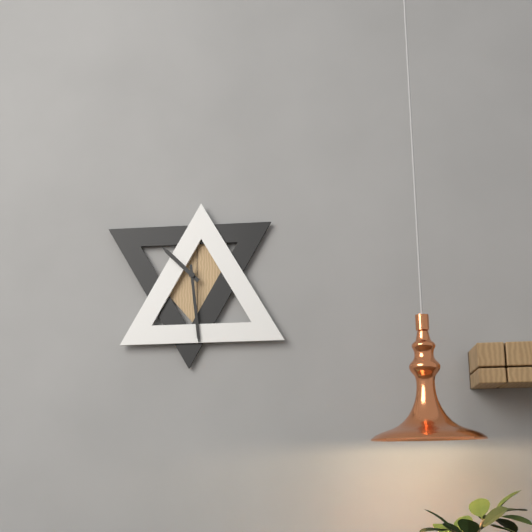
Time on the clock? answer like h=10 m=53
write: h=10 m=29
